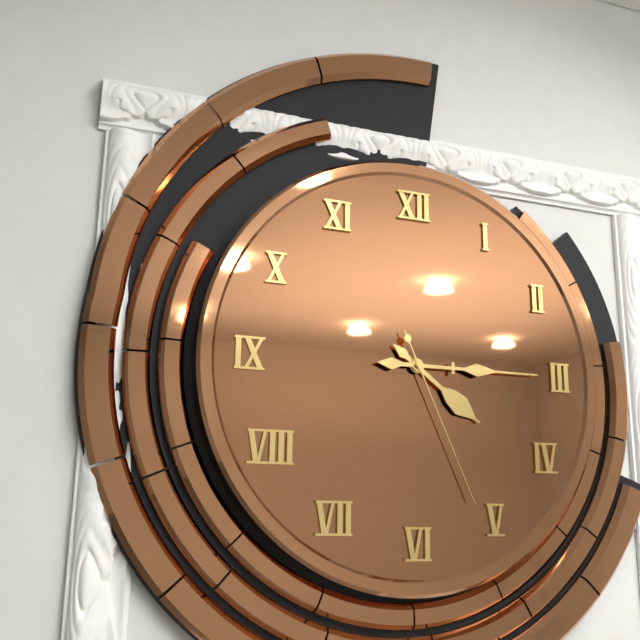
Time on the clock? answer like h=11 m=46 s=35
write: h=4 m=15 s=26
